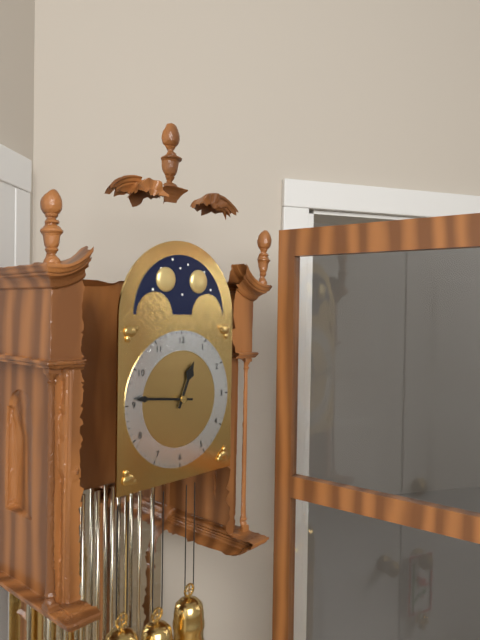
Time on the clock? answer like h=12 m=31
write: h=12 m=46
